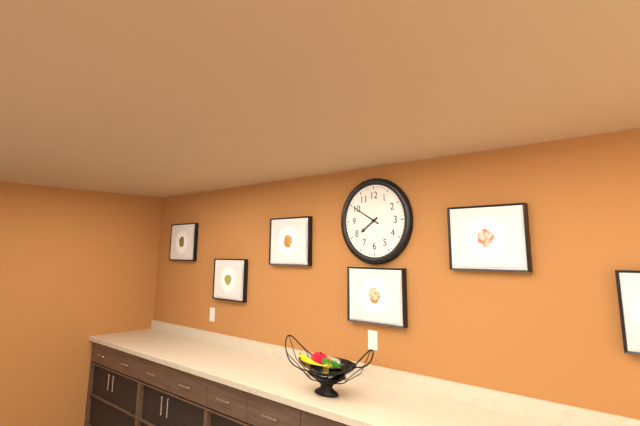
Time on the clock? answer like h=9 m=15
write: h=7 m=50
